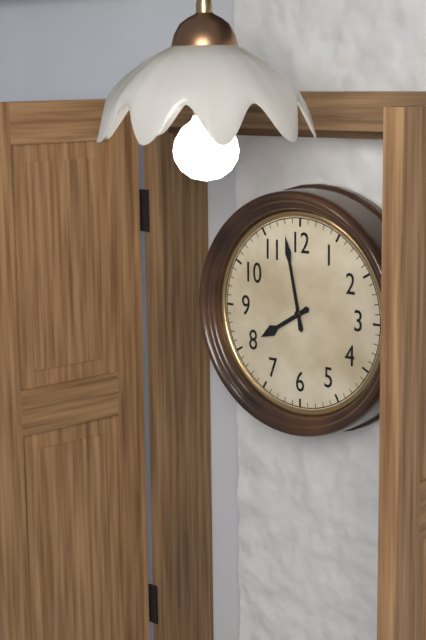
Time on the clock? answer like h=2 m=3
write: h=7 m=58
